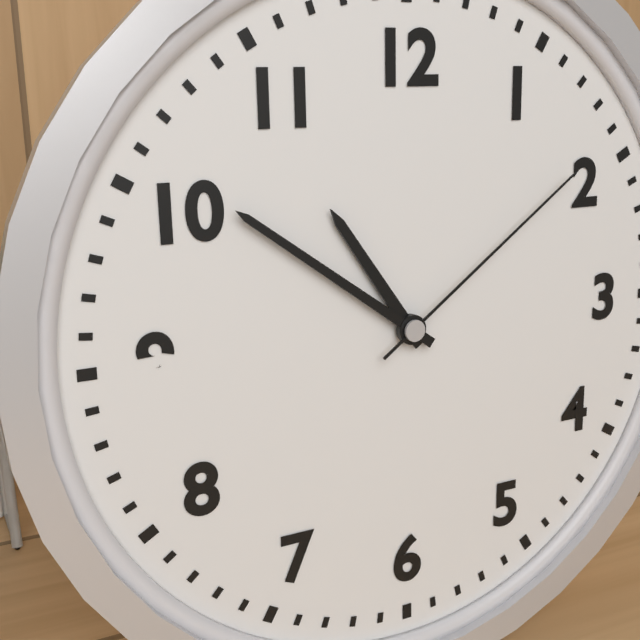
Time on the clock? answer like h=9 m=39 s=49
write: h=10 m=51 s=9
